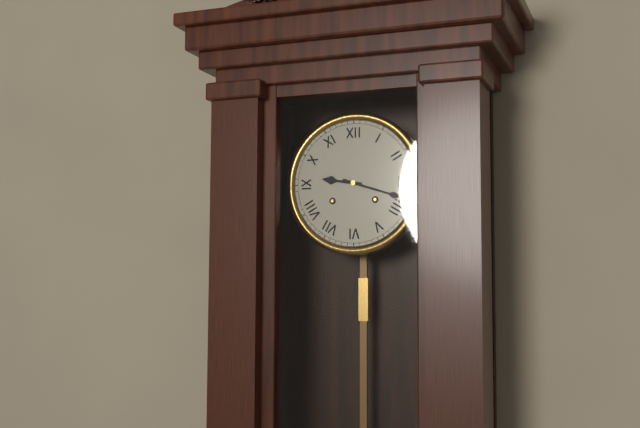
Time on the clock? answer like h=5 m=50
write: h=9 m=18
